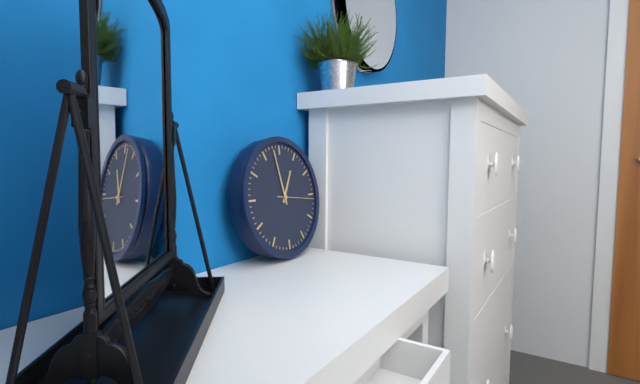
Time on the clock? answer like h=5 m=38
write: h=12 m=58
